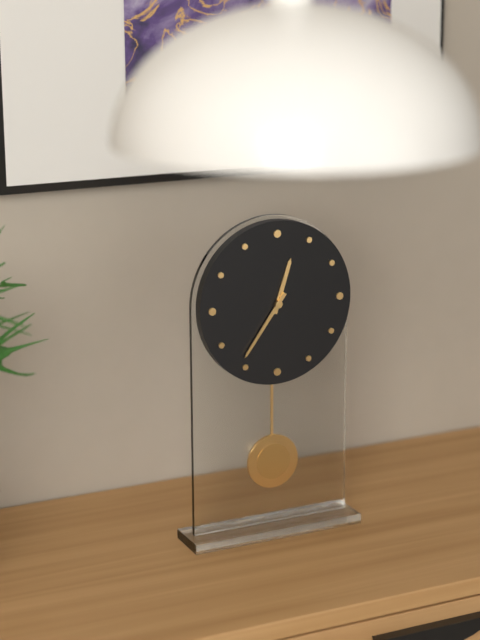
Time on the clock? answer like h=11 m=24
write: h=12 m=36
